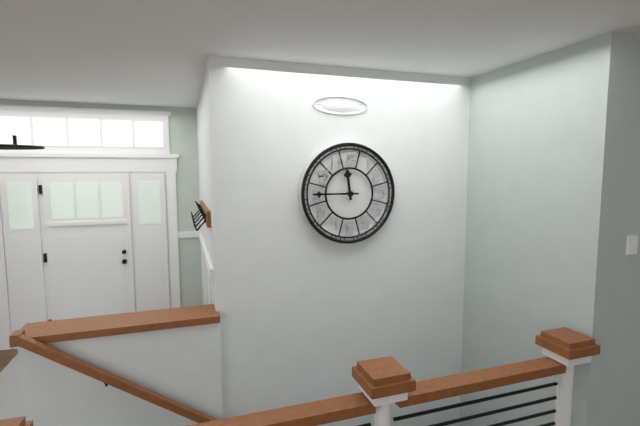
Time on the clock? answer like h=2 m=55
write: h=11 m=45
